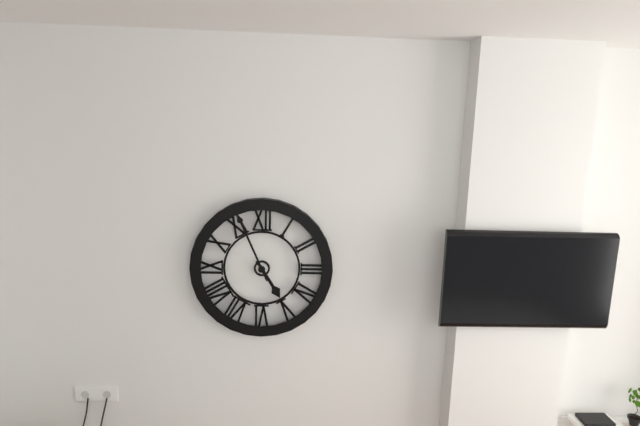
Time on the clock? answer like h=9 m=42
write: h=4 m=56
